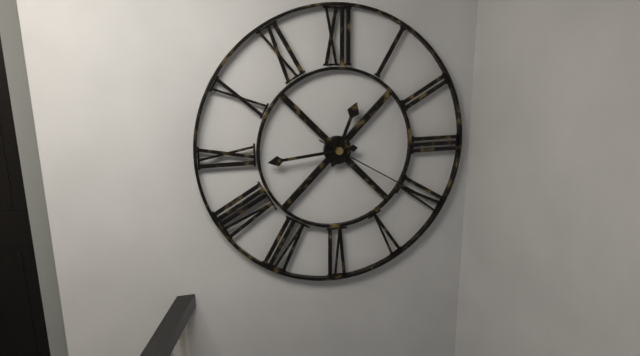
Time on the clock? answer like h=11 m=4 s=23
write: h=12 m=44 s=20
